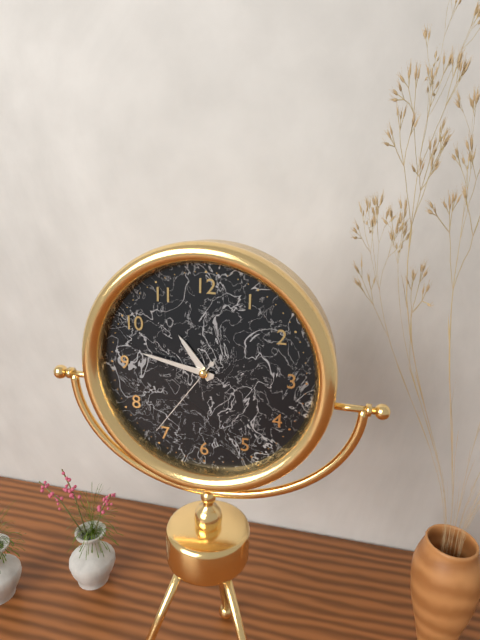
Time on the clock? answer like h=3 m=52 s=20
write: h=10 m=47 s=36
